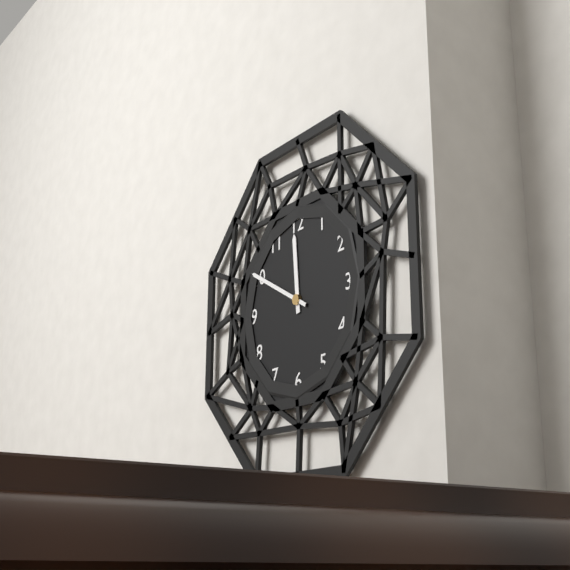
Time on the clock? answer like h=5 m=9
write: h=11 m=50
